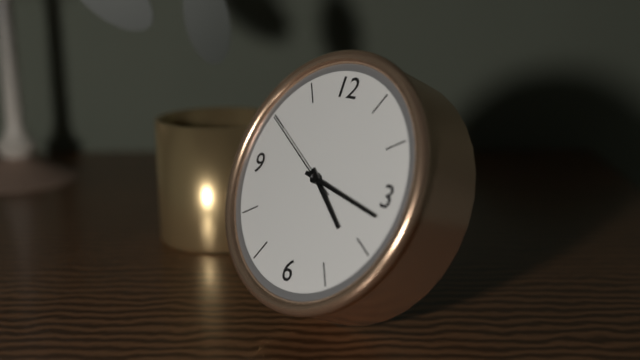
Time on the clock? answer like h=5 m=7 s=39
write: h=4 m=17 s=50
